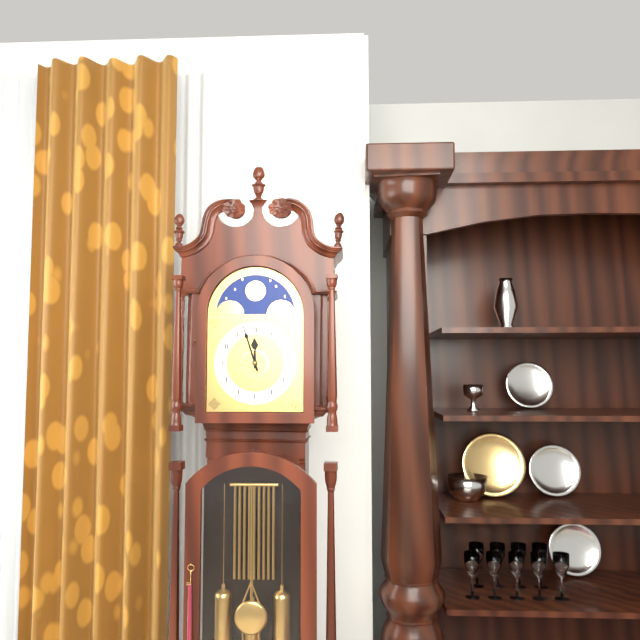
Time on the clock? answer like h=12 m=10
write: h=11 m=57
